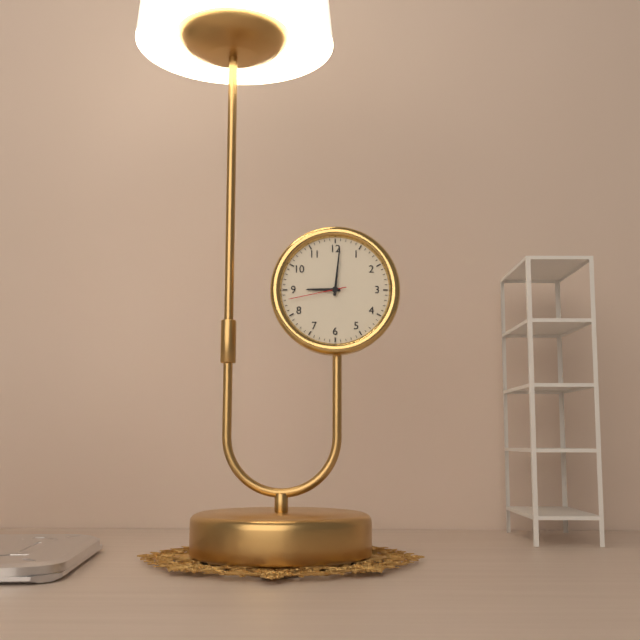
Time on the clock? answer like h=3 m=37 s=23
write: h=9 m=1 s=43
